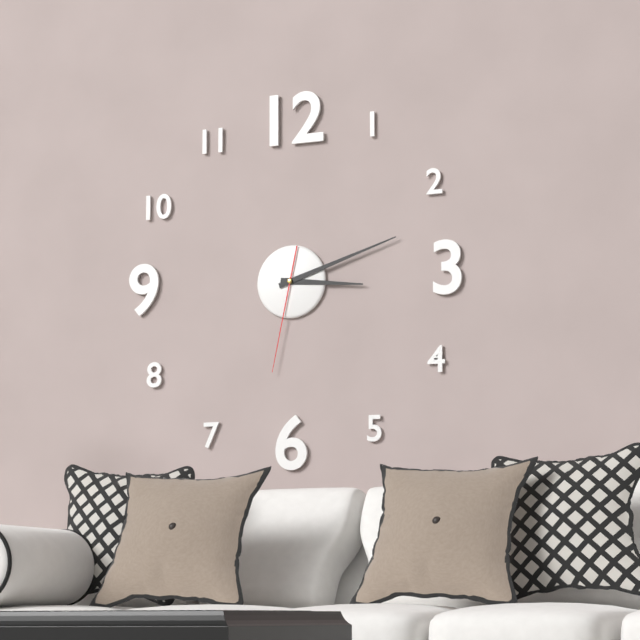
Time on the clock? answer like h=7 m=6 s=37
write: h=3 m=12 s=32
